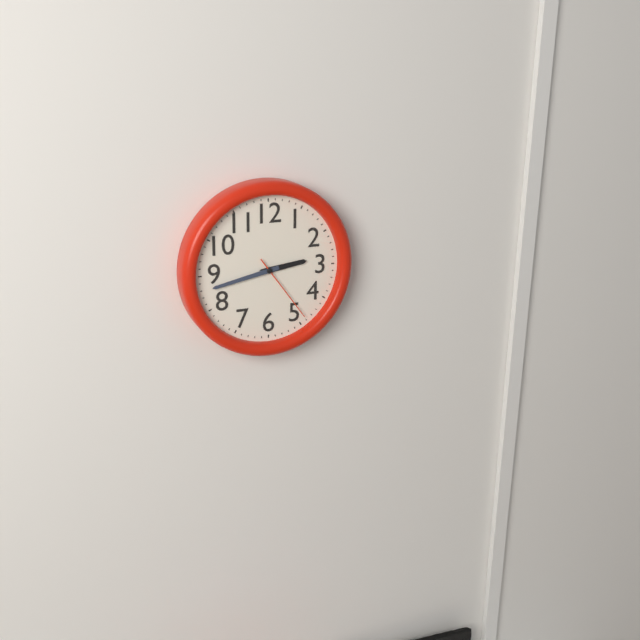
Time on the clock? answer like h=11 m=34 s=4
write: h=2 m=43 s=24
